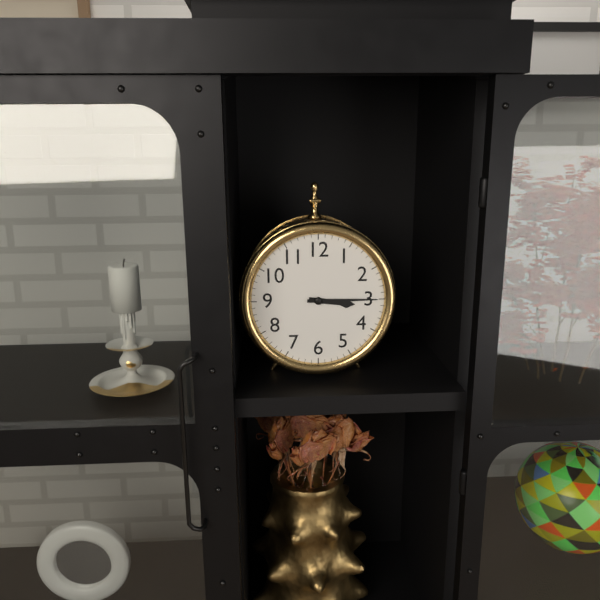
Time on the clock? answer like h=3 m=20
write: h=3 m=15
